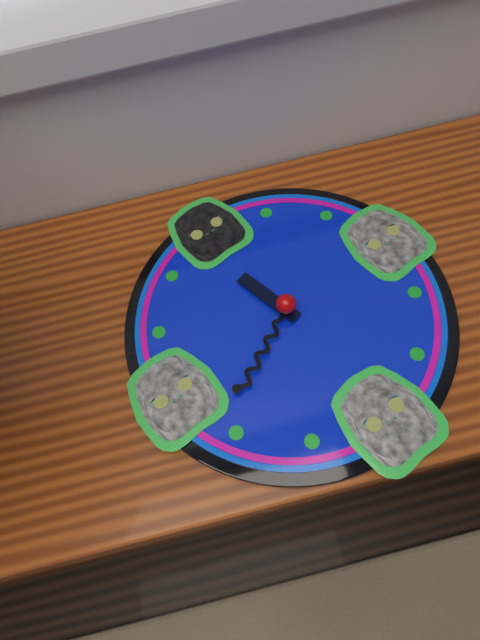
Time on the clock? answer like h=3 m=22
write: h=11 m=41
